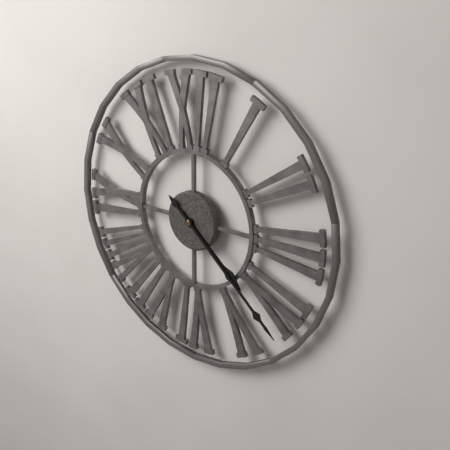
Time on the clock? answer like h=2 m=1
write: h=4 m=22
